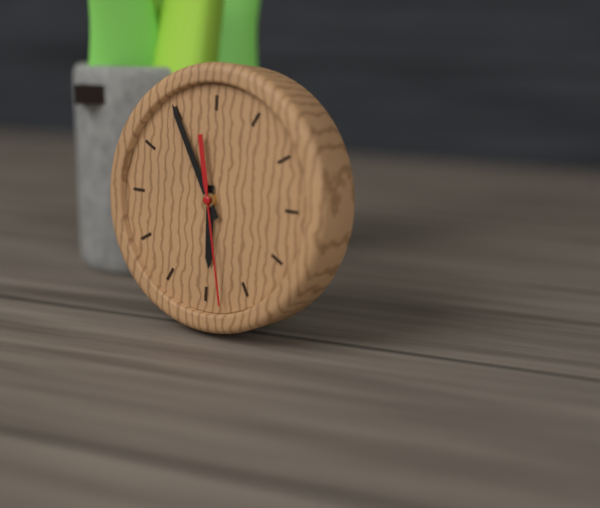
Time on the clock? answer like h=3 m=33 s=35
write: h=5 m=55 s=28
